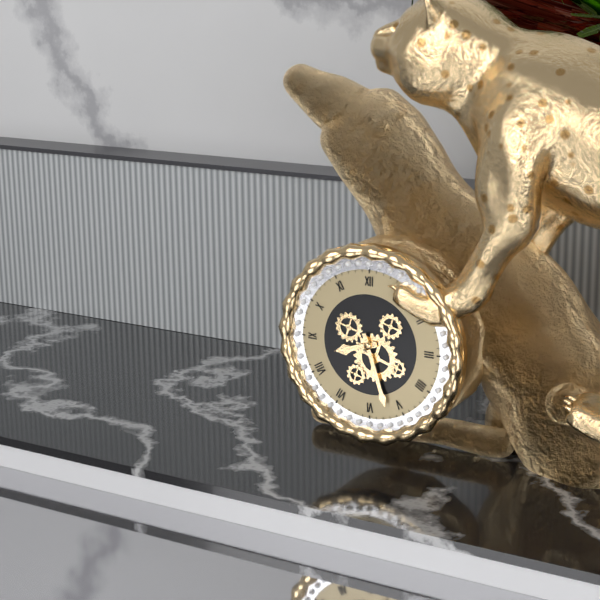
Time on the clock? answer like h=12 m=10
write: h=8 m=27
